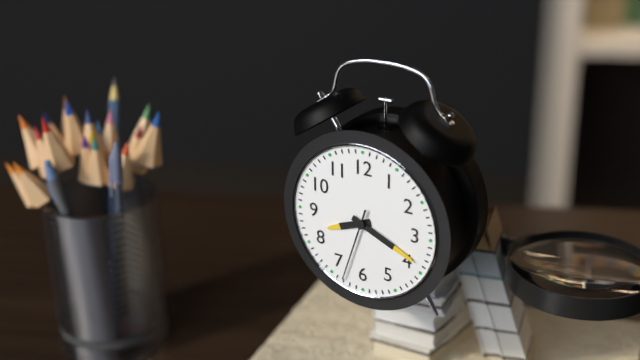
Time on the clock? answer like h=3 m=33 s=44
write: h=8 m=19 s=33
